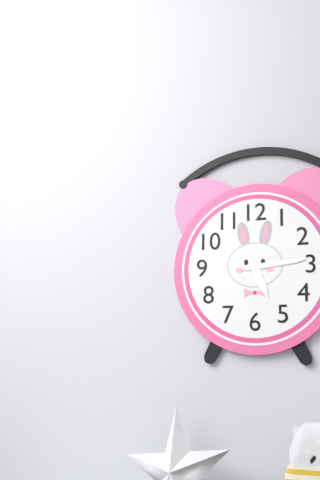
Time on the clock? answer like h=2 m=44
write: h=5 m=14
